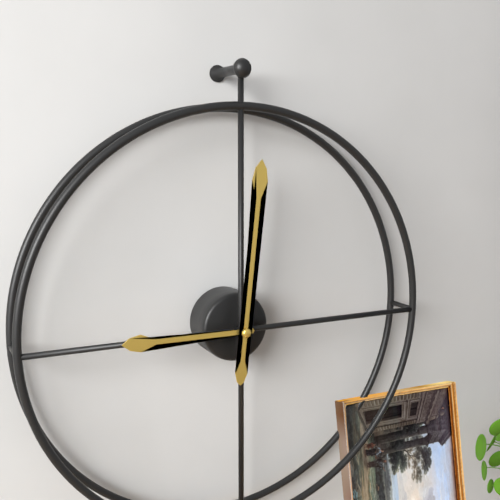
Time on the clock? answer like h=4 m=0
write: h=9 m=1
